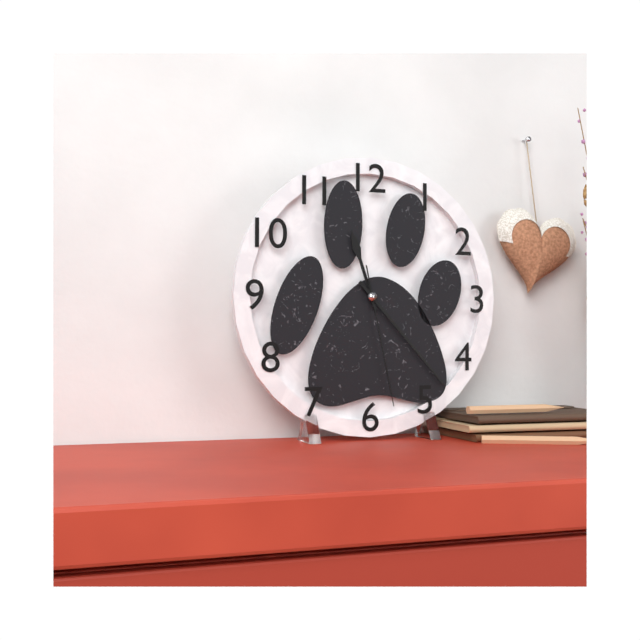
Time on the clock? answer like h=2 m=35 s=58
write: h=11 m=23 s=28
